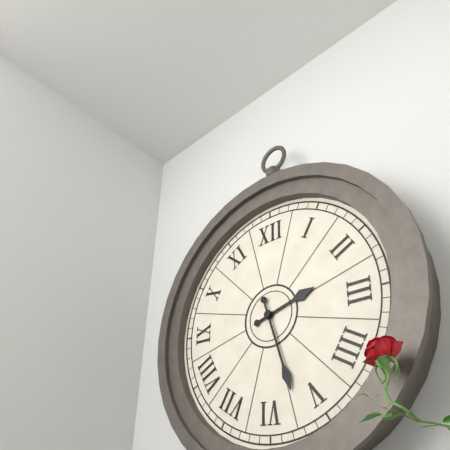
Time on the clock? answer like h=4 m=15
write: h=2 m=27
